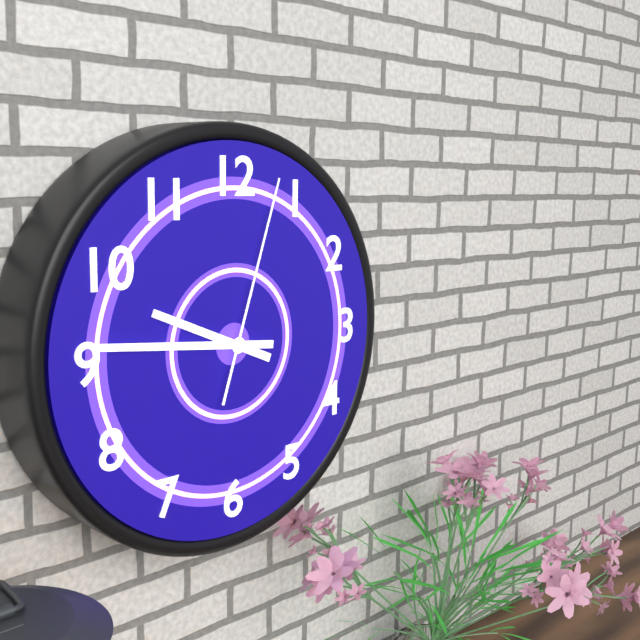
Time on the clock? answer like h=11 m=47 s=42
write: h=9 m=46 s=3
